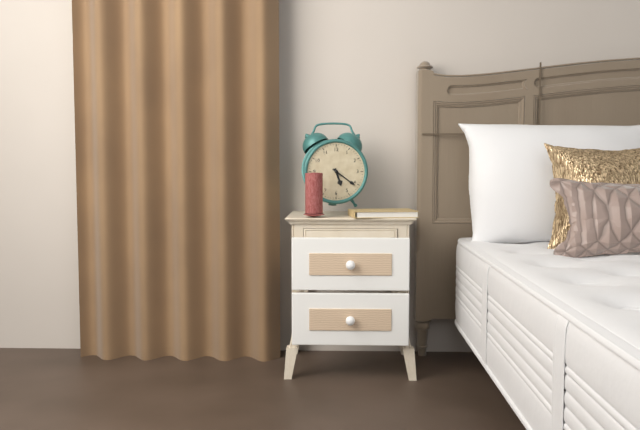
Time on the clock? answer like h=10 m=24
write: h=5 m=21
